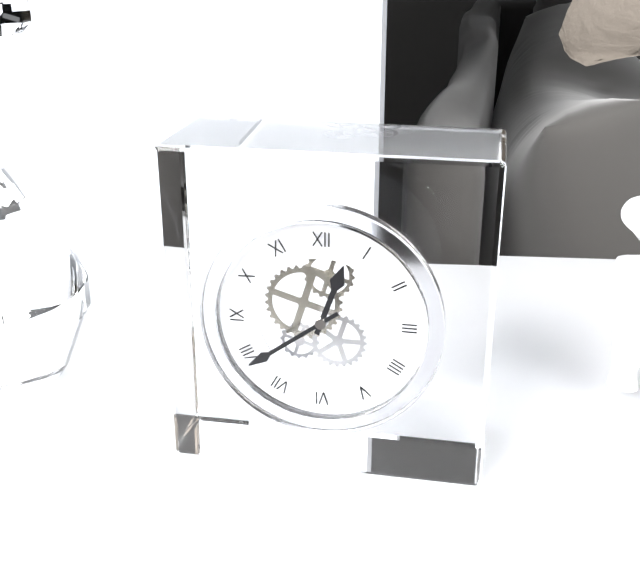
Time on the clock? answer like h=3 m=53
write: h=12 m=39
